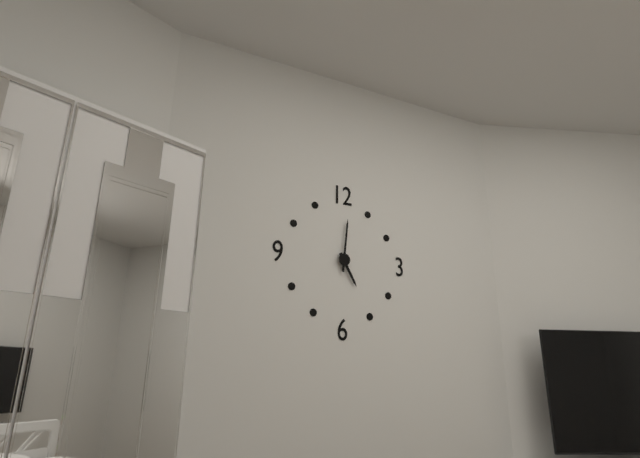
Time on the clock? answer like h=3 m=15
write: h=5 m=1
